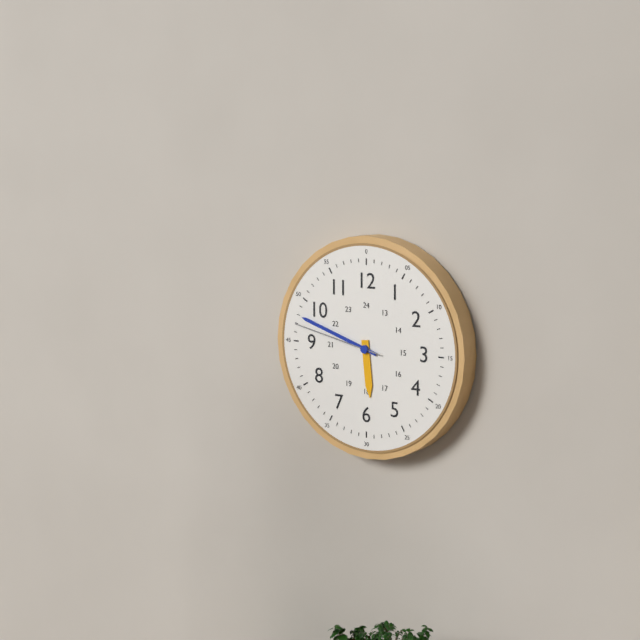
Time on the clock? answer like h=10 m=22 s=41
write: h=5 m=48 s=47
